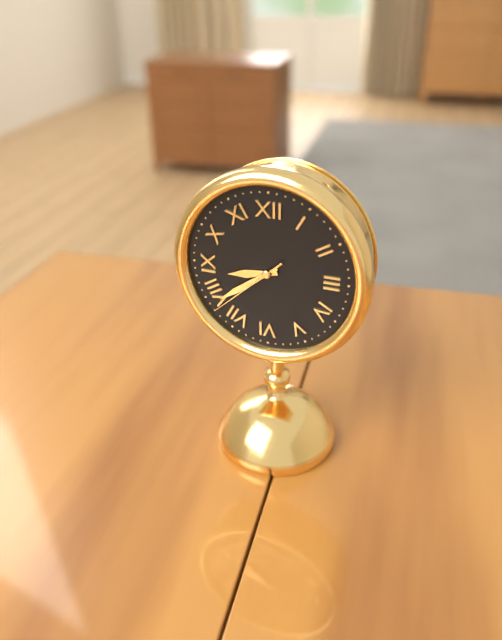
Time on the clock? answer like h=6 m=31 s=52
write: h=8 m=39 s=38
